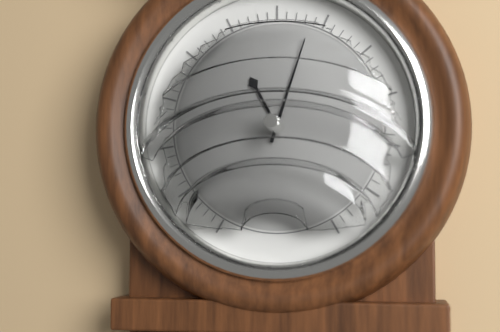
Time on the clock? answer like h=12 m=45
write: h=11 m=3
